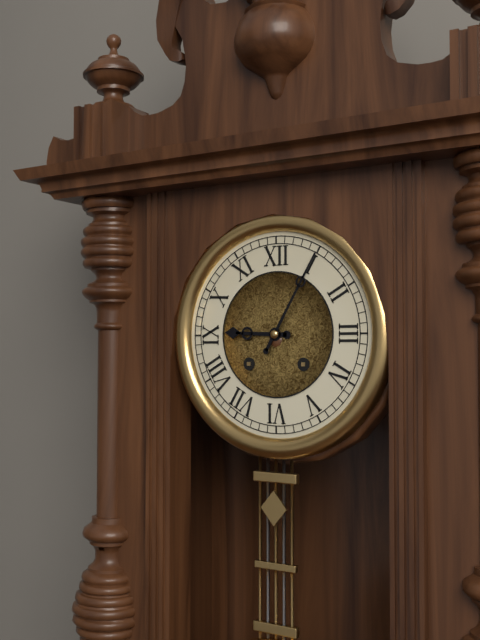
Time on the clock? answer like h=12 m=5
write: h=9 m=5
